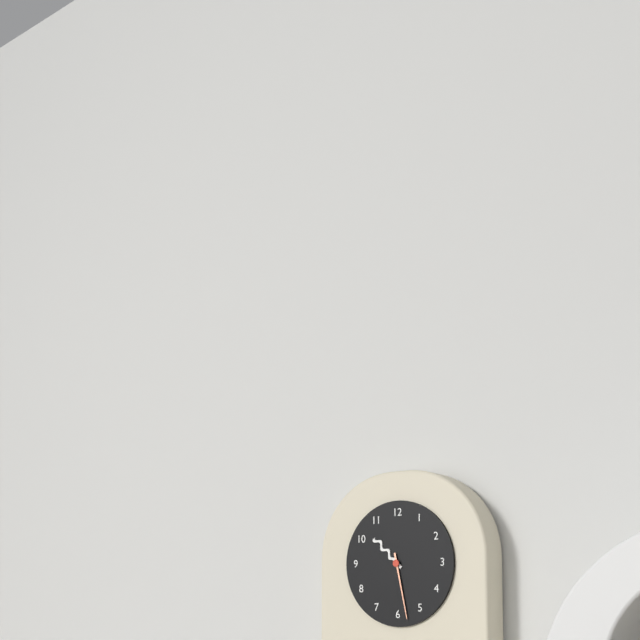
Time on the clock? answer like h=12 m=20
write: h=10 m=28
